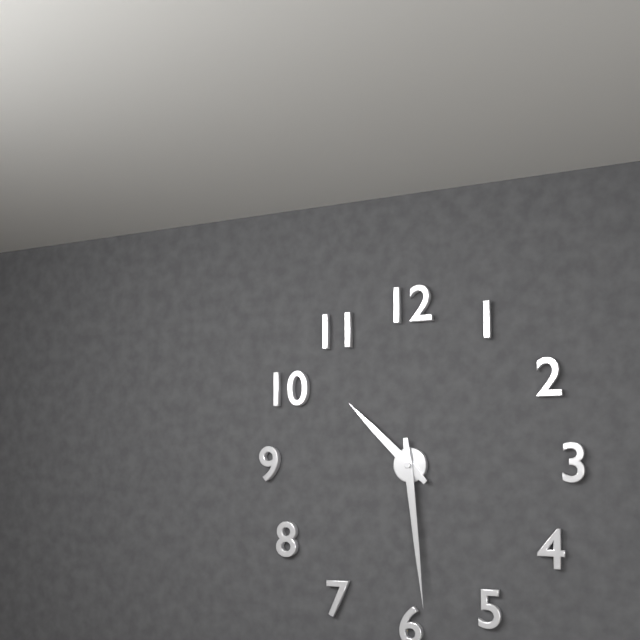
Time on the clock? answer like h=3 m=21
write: h=10 m=29
